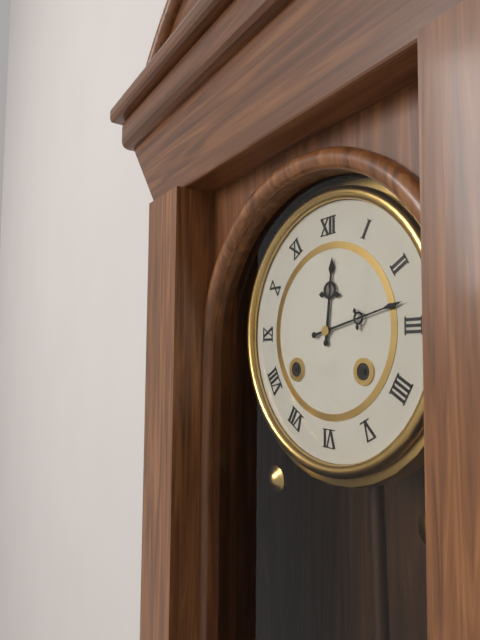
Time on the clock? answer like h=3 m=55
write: h=12 m=13
